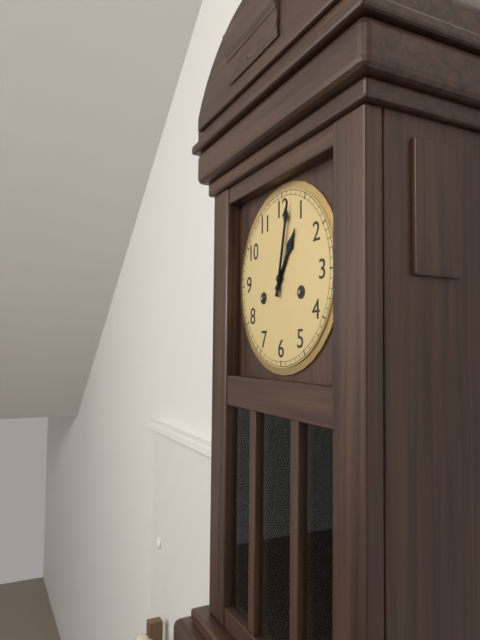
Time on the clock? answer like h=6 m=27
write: h=1 m=2
